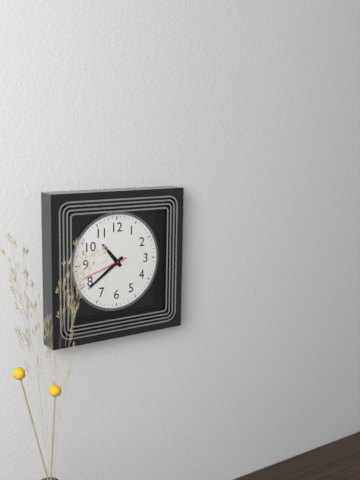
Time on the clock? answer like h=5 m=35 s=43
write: h=10 m=39 s=42
